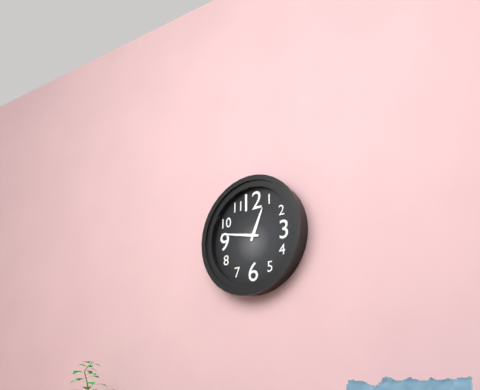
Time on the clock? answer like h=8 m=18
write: h=12 m=47
